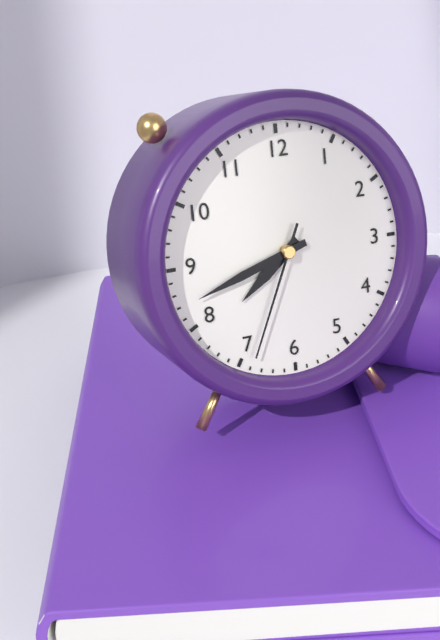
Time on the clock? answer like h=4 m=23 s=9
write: h=7 m=42 s=34
